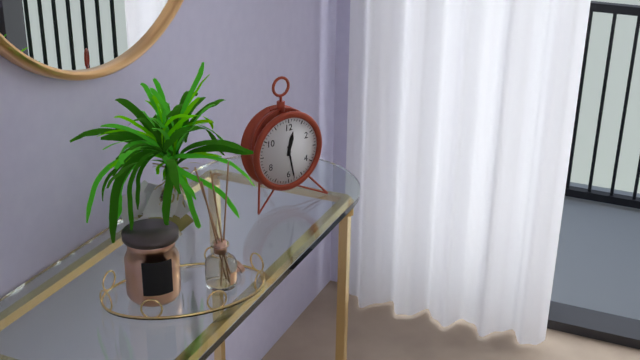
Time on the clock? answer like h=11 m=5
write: h=12 m=28
